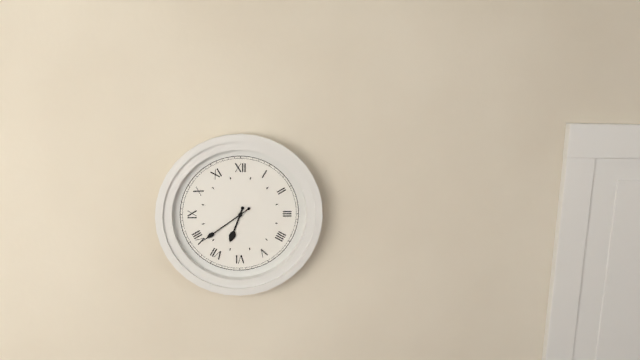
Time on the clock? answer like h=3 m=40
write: h=6 m=39
